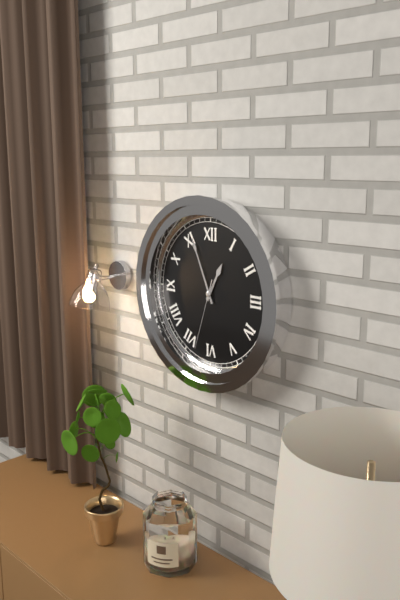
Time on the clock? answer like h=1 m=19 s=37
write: h=12 m=56 s=33
